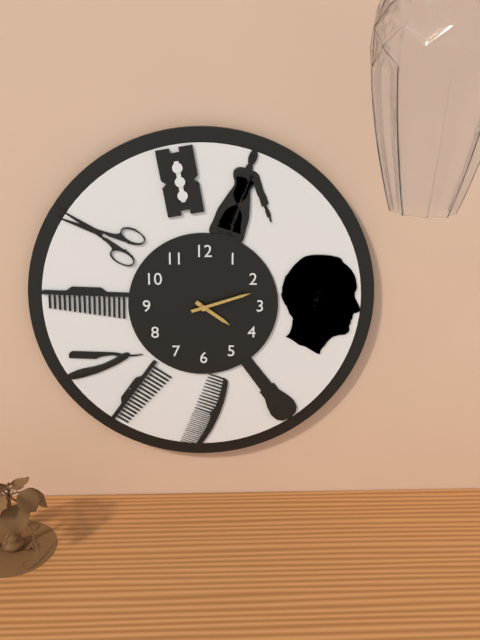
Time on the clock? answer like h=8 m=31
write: h=4 m=12
